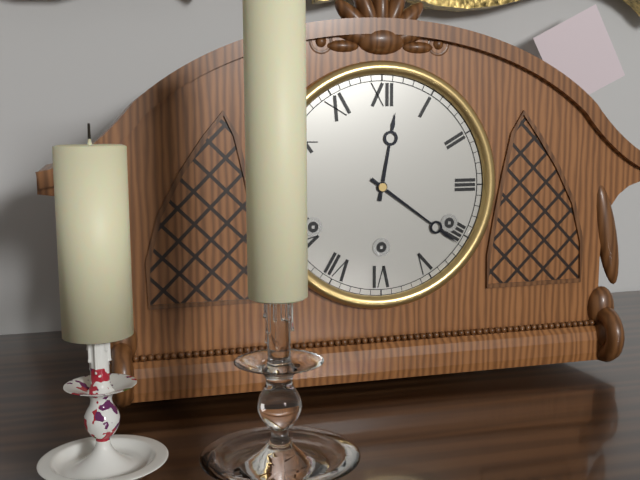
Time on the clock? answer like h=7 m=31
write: h=12 m=21
